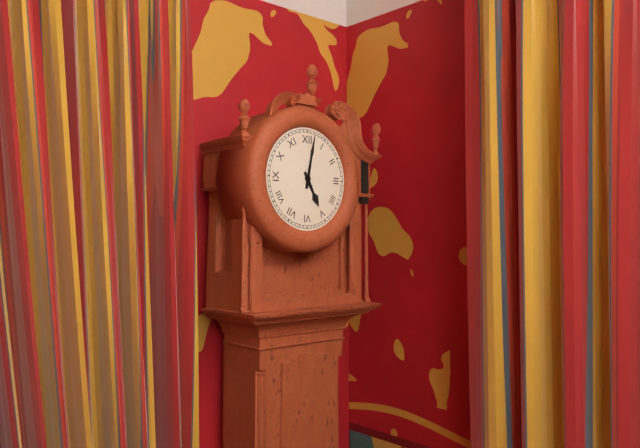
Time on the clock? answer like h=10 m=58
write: h=5 m=2
